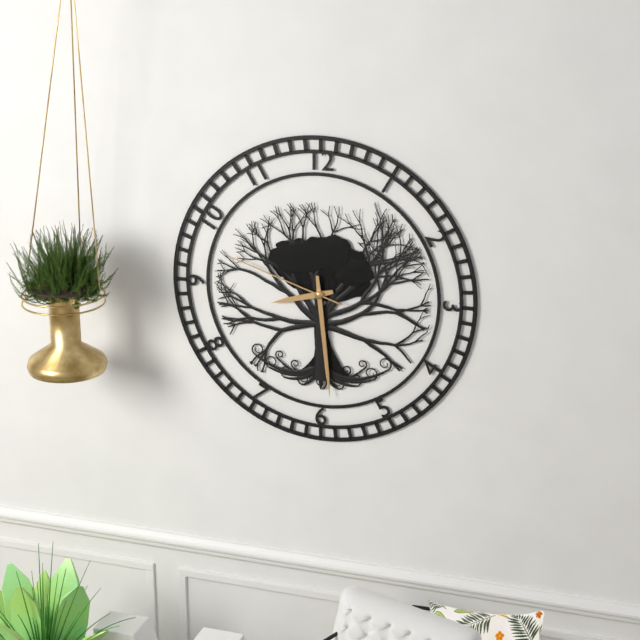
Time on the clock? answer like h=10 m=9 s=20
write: h=8 m=29 s=48
